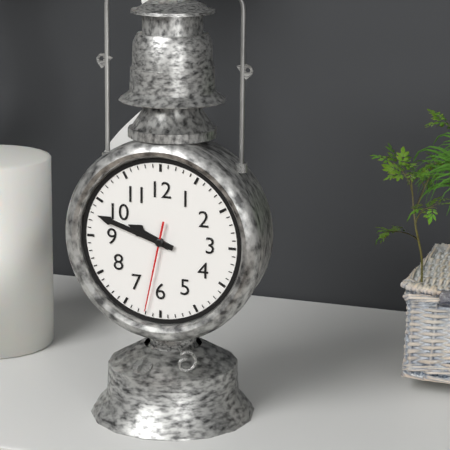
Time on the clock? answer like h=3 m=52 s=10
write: h=9 m=48 s=32
